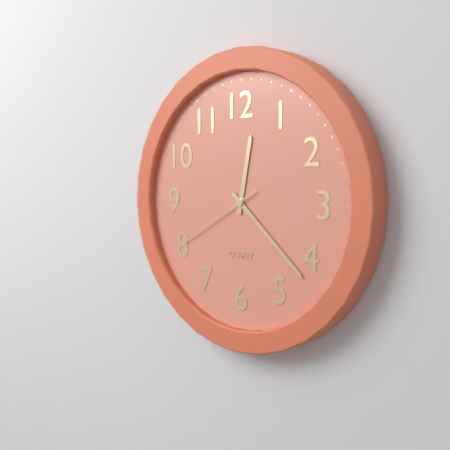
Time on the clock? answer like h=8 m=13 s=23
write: h=12 m=22 s=40
